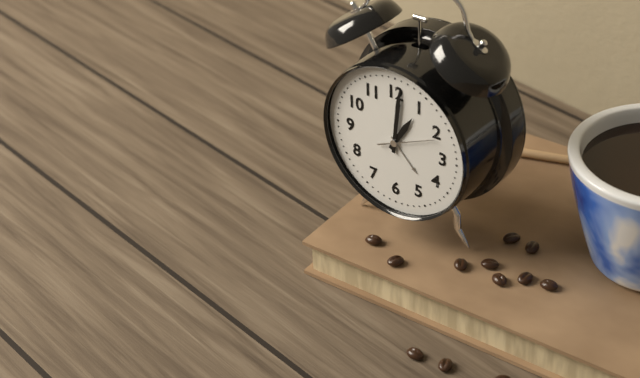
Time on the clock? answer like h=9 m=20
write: h=1 m=1
